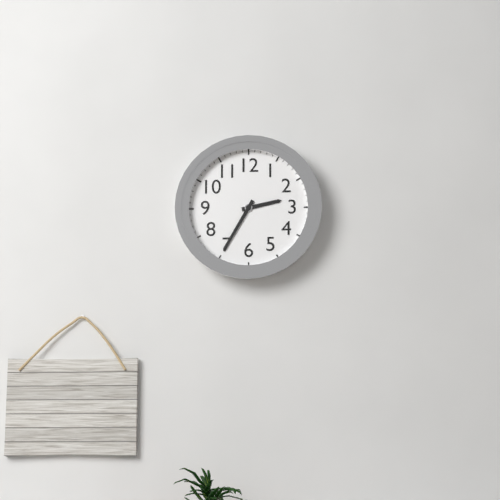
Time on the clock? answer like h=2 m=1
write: h=2 m=35
